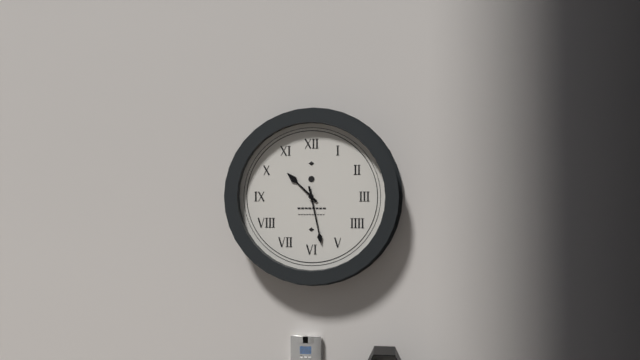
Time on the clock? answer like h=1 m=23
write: h=10 m=28
